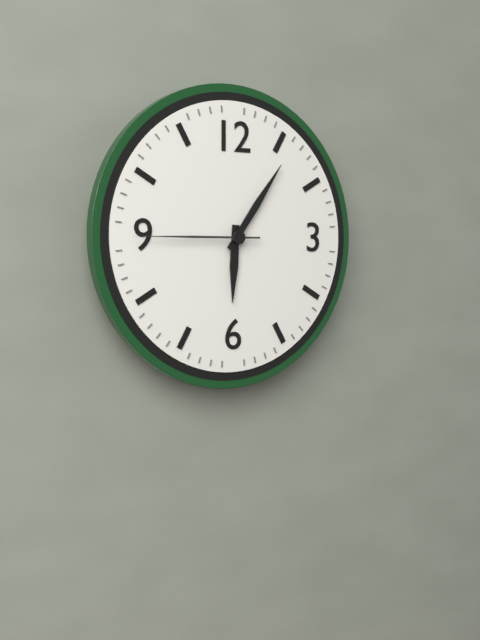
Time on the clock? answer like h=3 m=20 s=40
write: h=6 m=6 s=45
